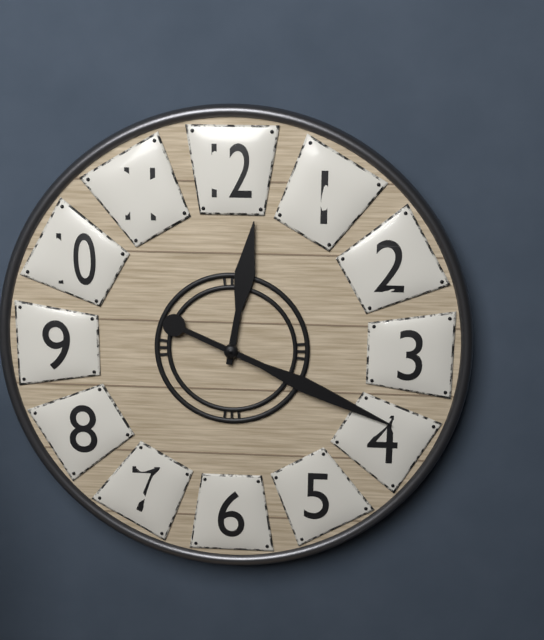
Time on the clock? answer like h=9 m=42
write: h=12 m=19
